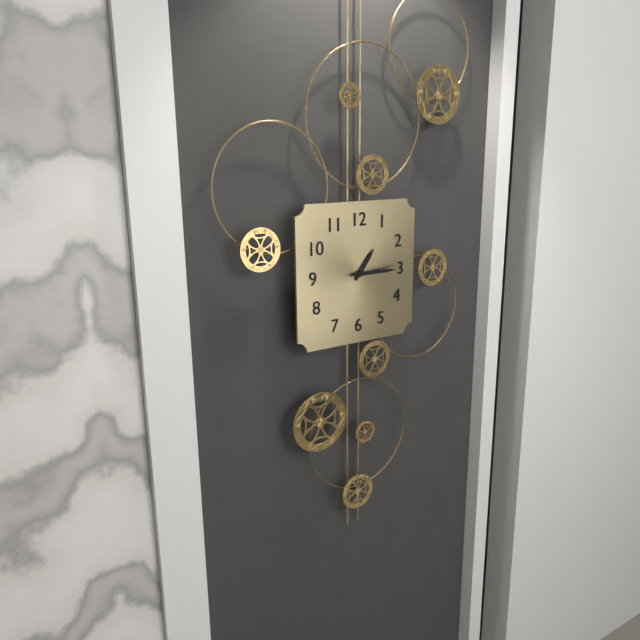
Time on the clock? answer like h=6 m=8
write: h=1 m=15
